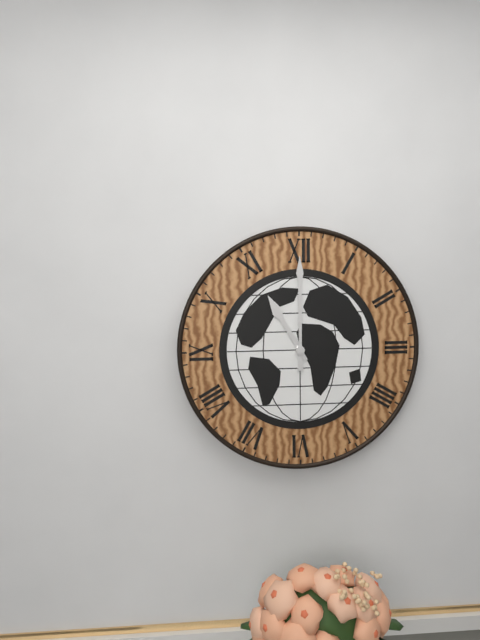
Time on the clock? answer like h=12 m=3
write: h=11 m=0
